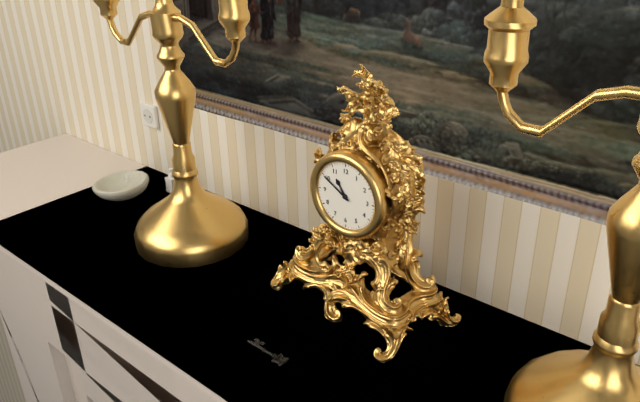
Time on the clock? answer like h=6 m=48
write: h=10 m=50
